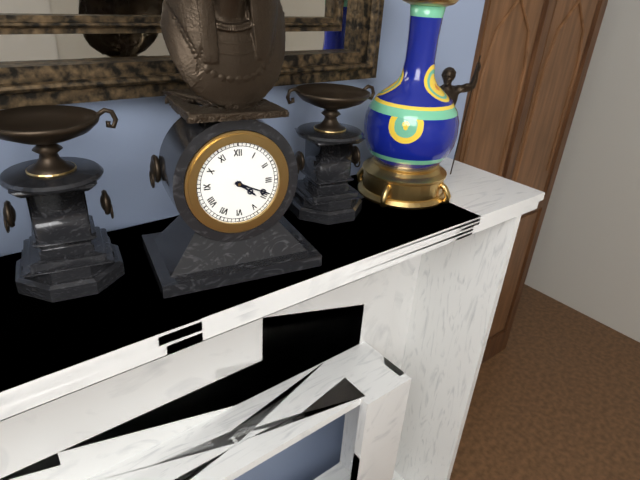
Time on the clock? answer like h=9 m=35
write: h=4 m=19
